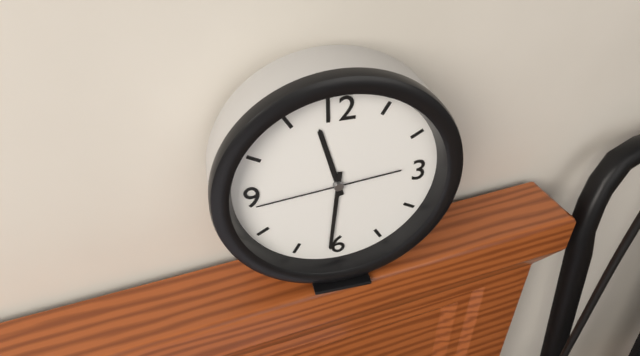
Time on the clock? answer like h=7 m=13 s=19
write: h=11 m=31 s=44
